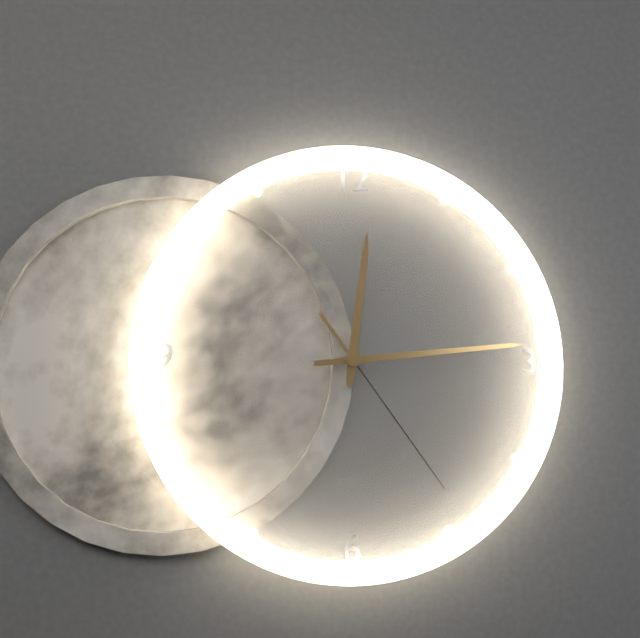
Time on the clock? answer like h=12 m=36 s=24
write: h=12 m=14 s=24
